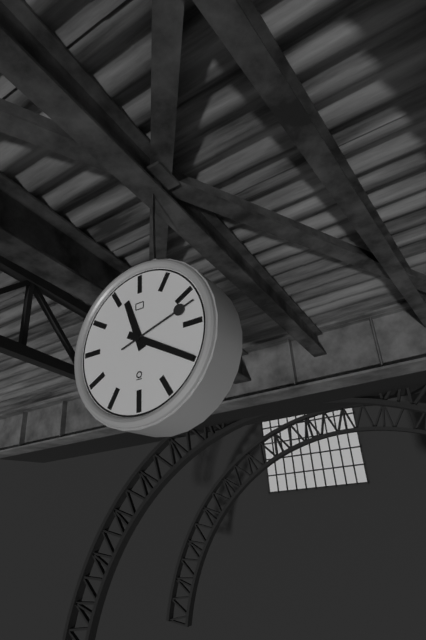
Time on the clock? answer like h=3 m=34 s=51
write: h=11 m=20 s=12
